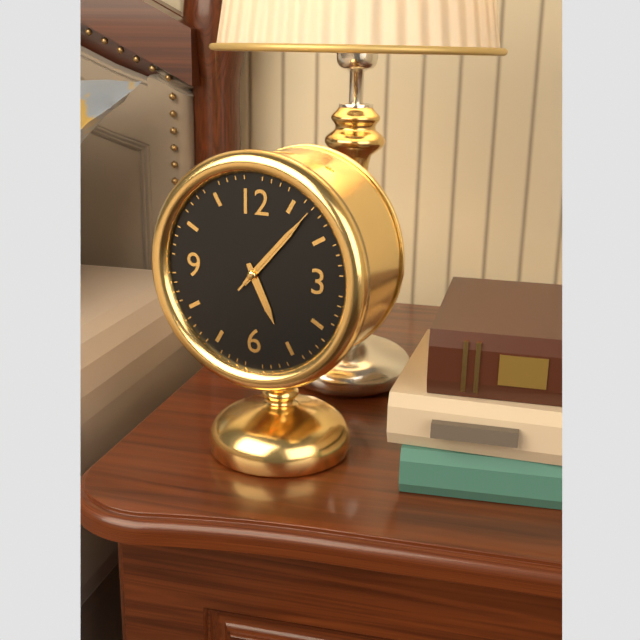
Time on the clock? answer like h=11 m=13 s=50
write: h=5 m=7 s=7
